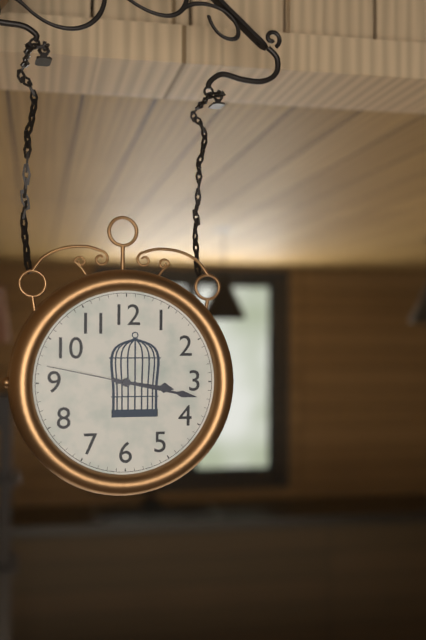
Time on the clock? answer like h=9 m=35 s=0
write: h=3 m=17 s=47
